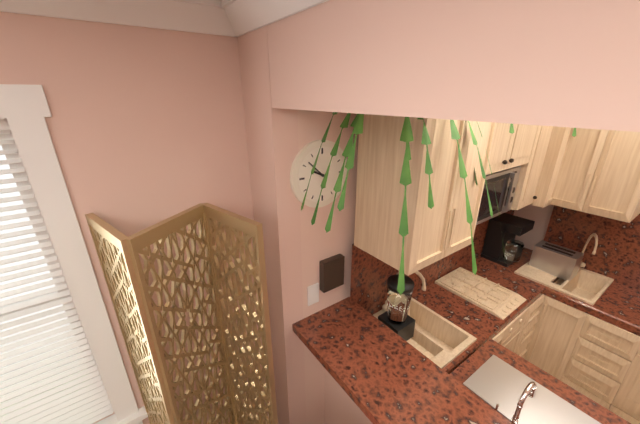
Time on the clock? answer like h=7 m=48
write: h=9 m=52
